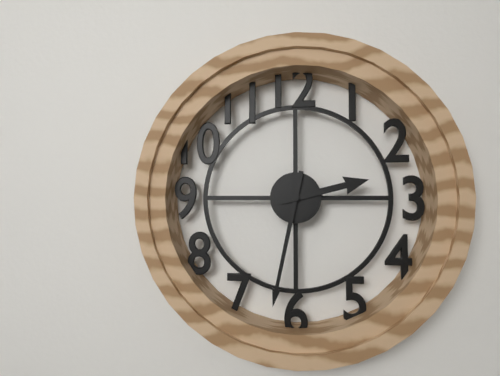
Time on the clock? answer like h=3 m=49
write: h=2 m=32
